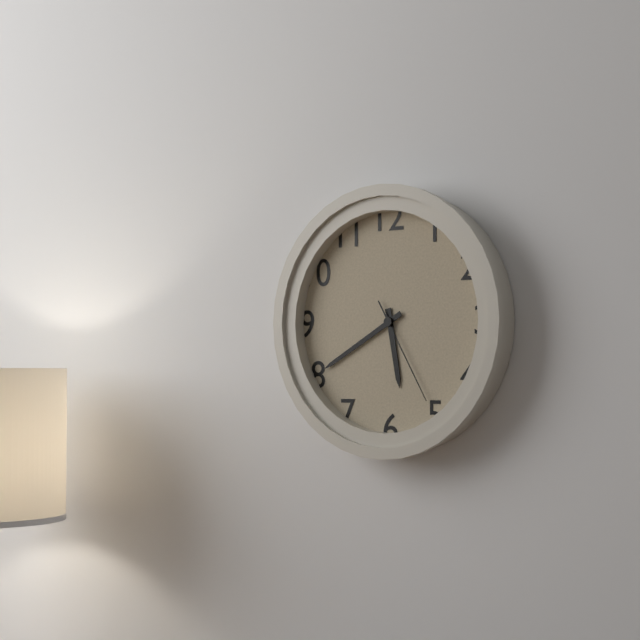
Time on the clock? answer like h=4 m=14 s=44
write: h=5 m=40 s=25
